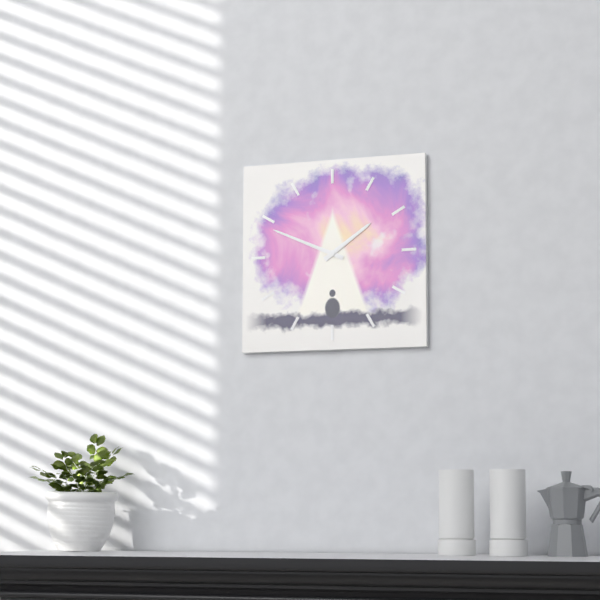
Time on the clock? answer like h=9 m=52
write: h=1 m=49
